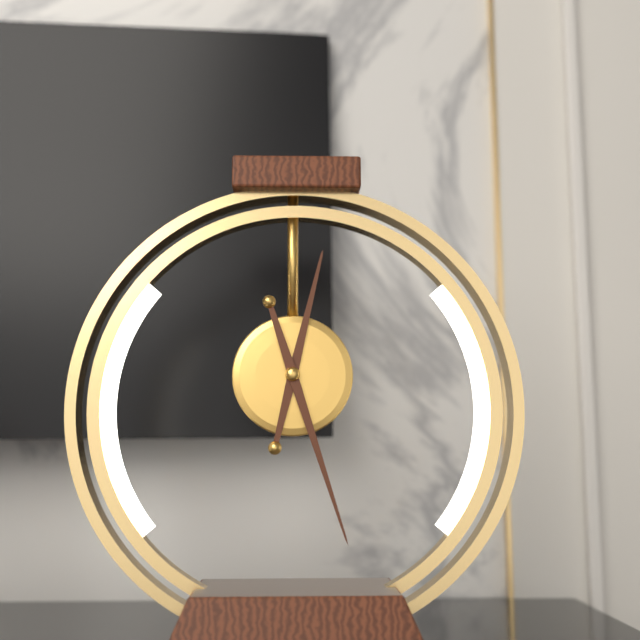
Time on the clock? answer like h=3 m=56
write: h=12 m=27
